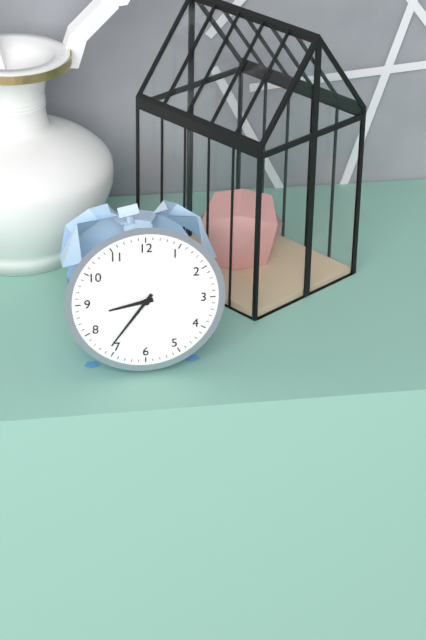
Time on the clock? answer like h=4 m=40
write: h=8 m=36
